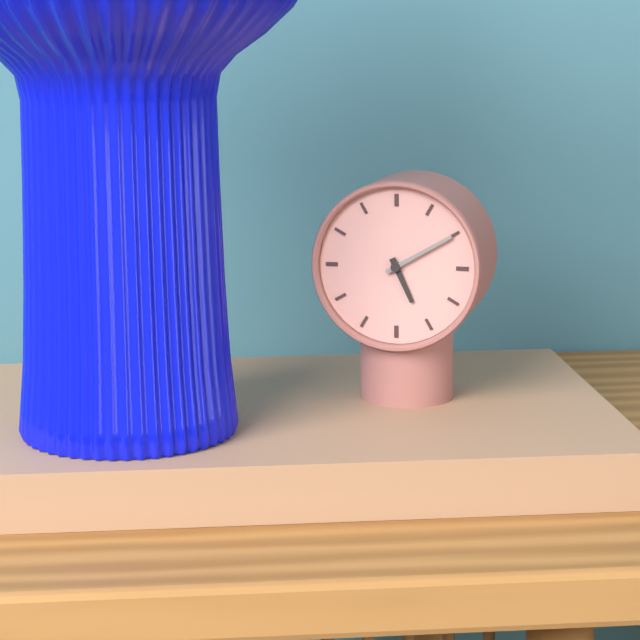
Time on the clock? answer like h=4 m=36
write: h=5 m=10
